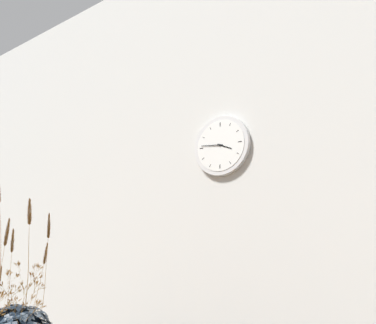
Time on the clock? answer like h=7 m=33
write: h=3 m=46
